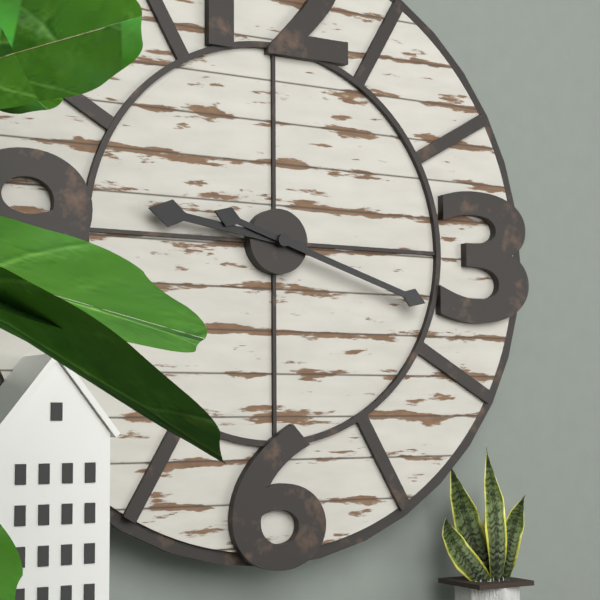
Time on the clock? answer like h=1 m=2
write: h=9 m=18
